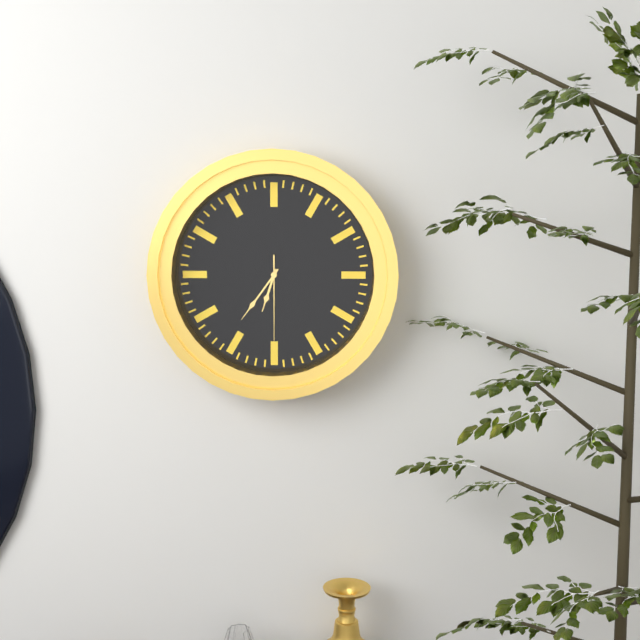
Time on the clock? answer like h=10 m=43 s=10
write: h=6 m=36 s=30
